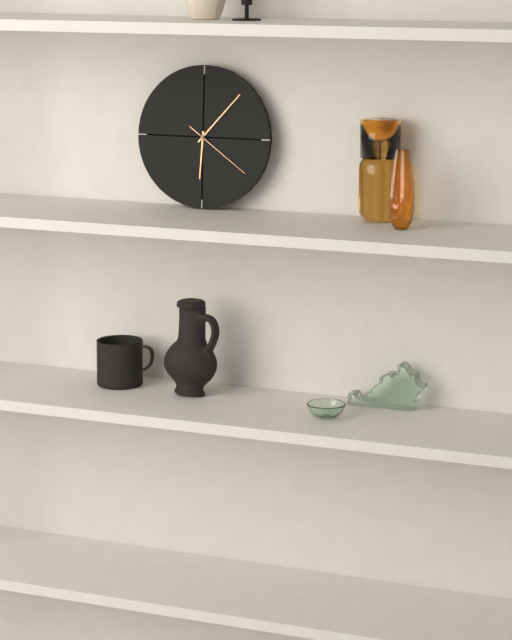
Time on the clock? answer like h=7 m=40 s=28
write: h=6 m=7 s=21
